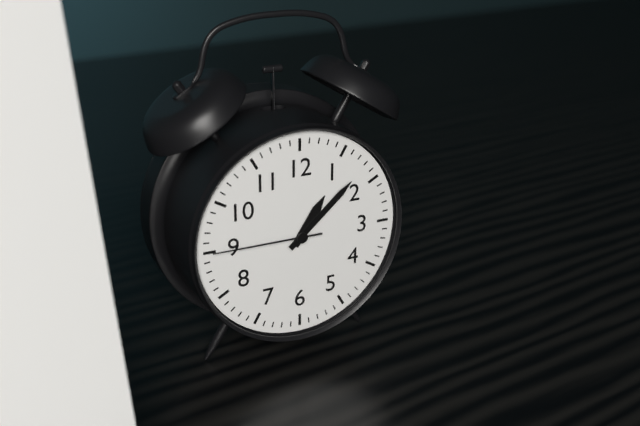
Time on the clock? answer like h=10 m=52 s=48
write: h=1 m=8 s=45
